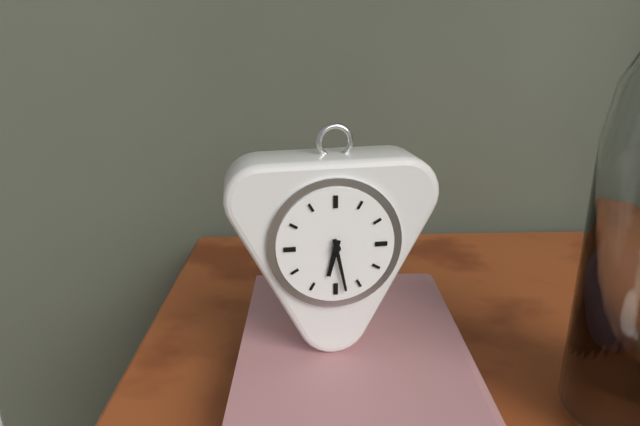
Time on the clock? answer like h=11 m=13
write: h=6 m=28
